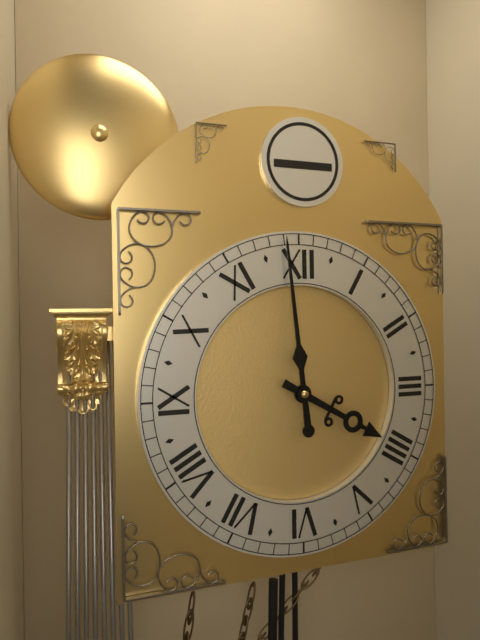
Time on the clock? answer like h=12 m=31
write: h=3 m=59
